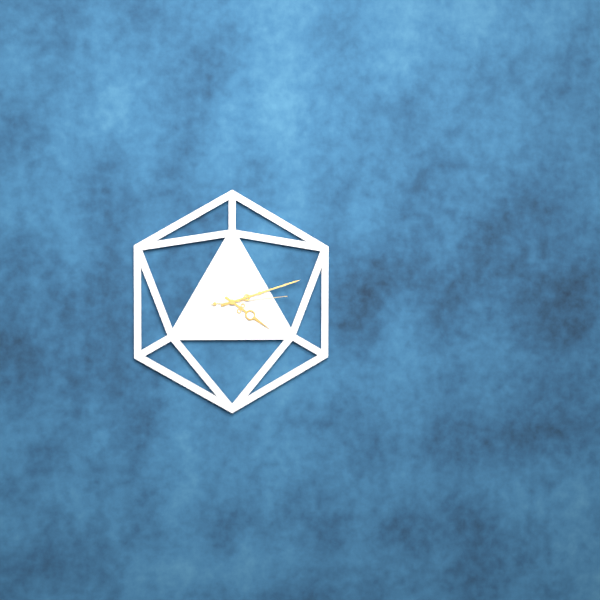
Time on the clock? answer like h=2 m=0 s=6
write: h=4 m=12 s=14
